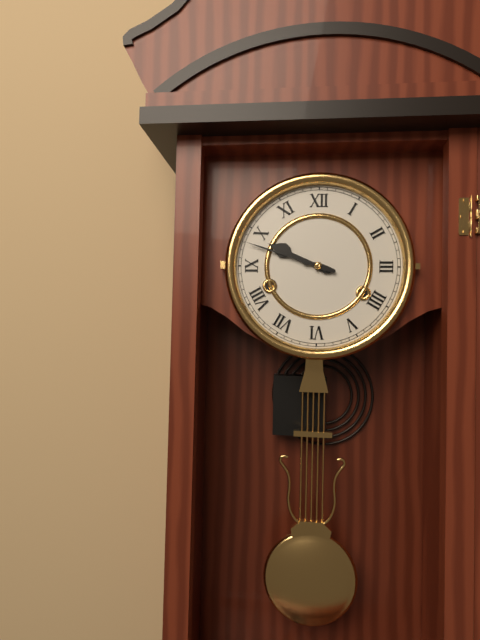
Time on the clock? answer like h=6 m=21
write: h=9 m=48
